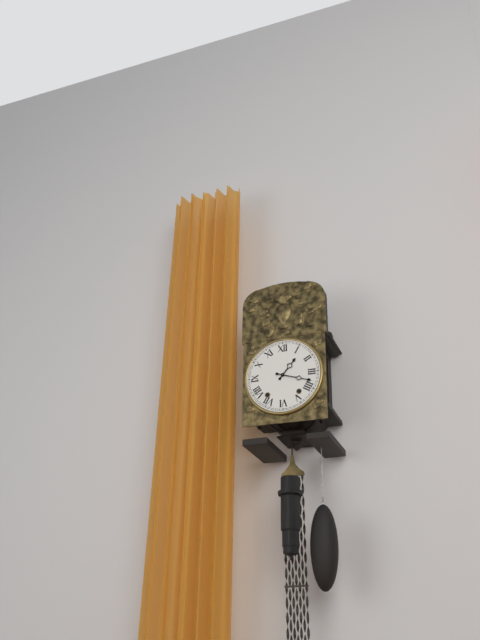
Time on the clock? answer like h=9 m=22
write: h=1 m=18
